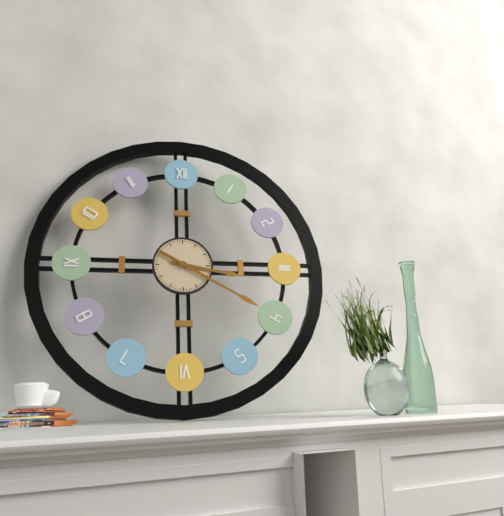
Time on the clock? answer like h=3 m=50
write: h=3 m=20
